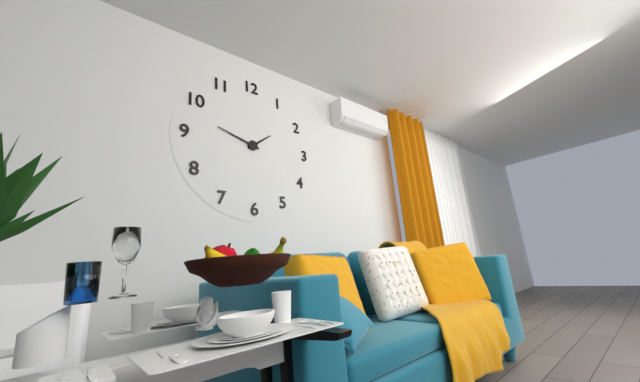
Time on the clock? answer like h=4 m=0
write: h=1 m=48
